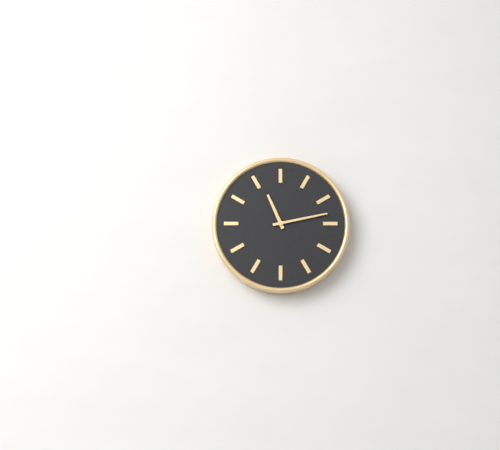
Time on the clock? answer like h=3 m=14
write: h=11 m=13
